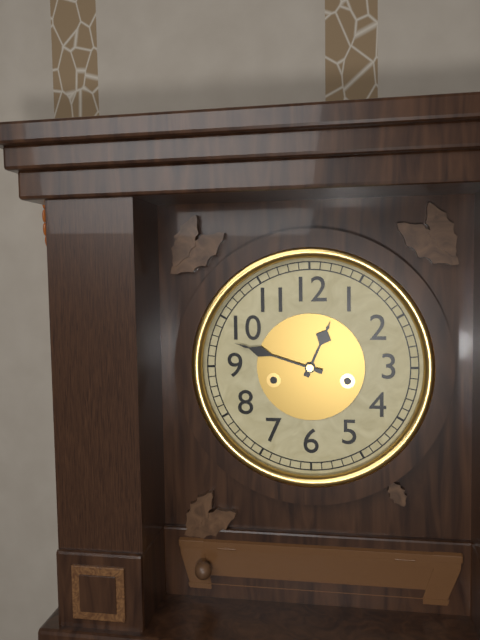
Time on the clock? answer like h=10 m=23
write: h=12 m=48
